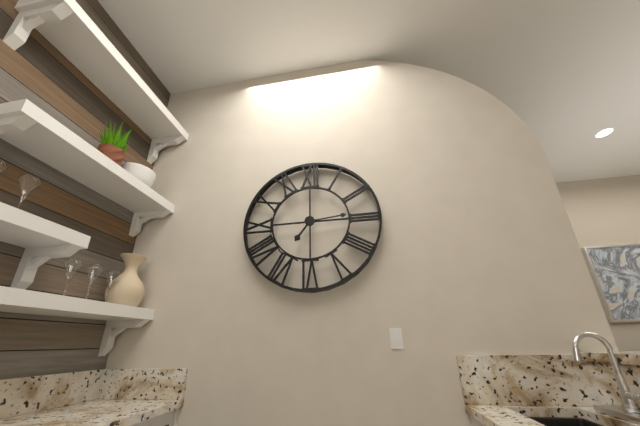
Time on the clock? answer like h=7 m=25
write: h=7 m=14
